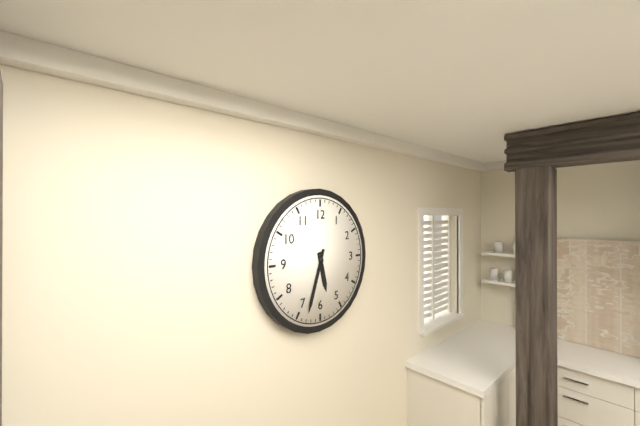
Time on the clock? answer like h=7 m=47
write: h=5 m=33
